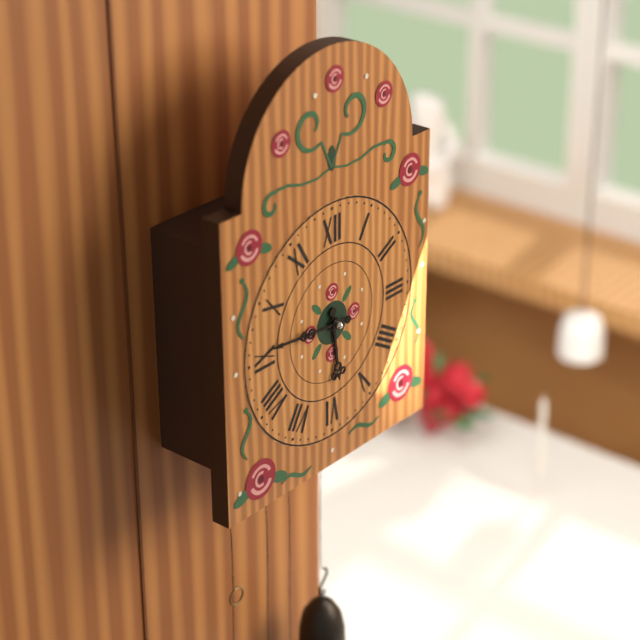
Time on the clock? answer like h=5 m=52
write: h=5 m=46
